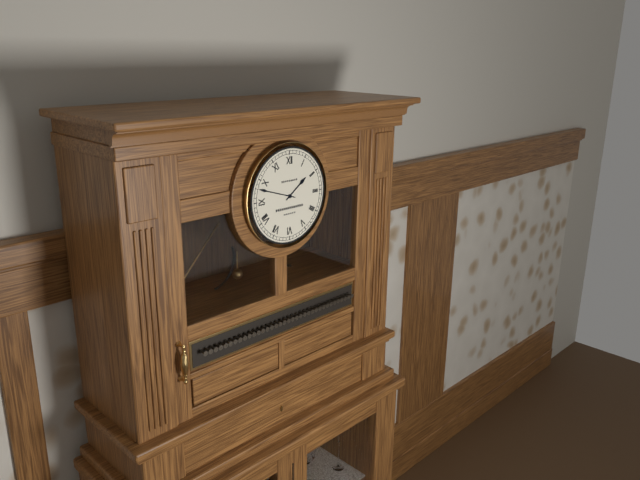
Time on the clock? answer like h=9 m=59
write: h=1 m=48
